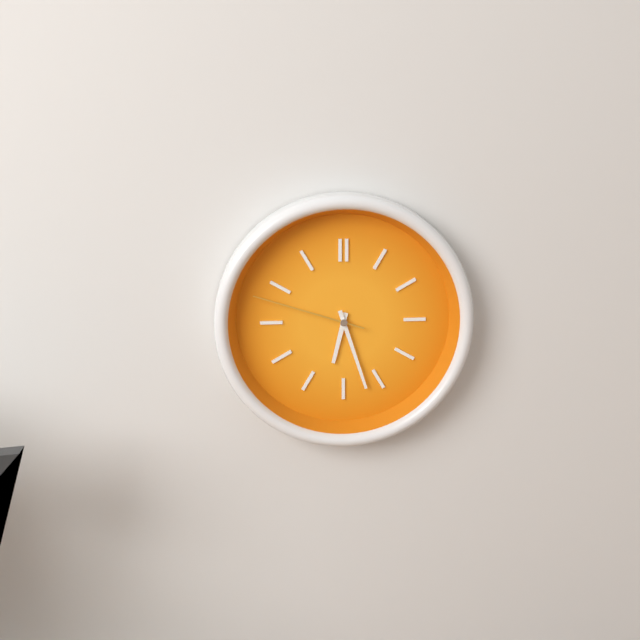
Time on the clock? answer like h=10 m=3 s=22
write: h=6 m=27 s=48
